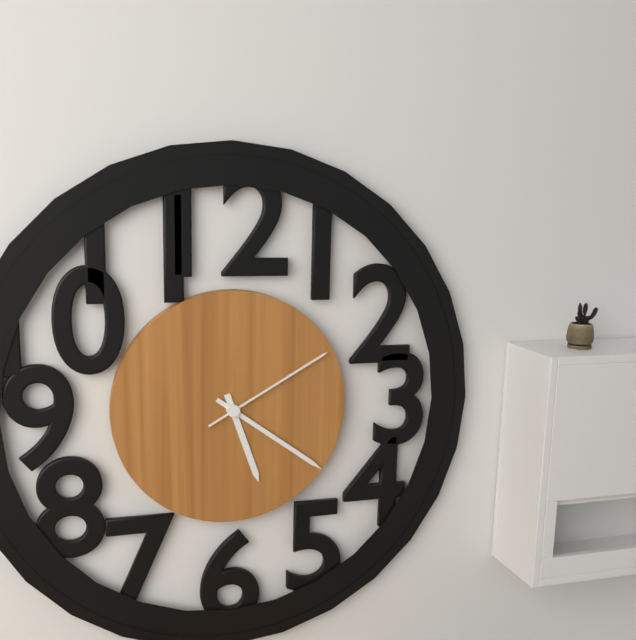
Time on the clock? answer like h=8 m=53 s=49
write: h=5 m=21 s=10
